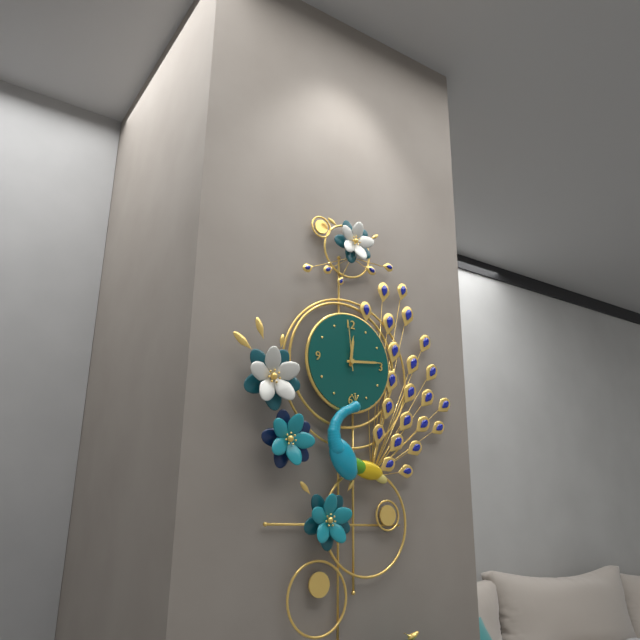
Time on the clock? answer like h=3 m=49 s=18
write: h=12 m=14 s=59
